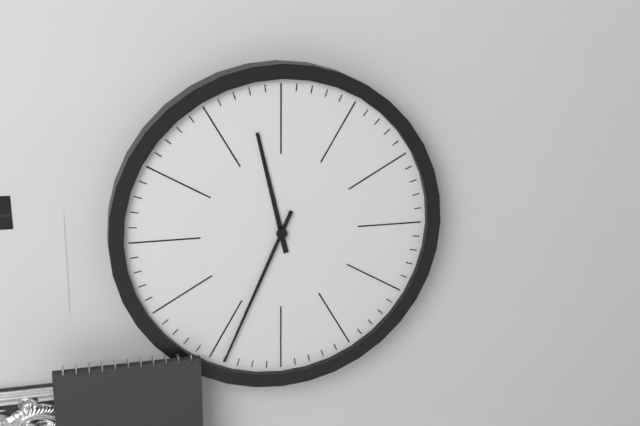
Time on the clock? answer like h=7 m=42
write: h=11 m=34
